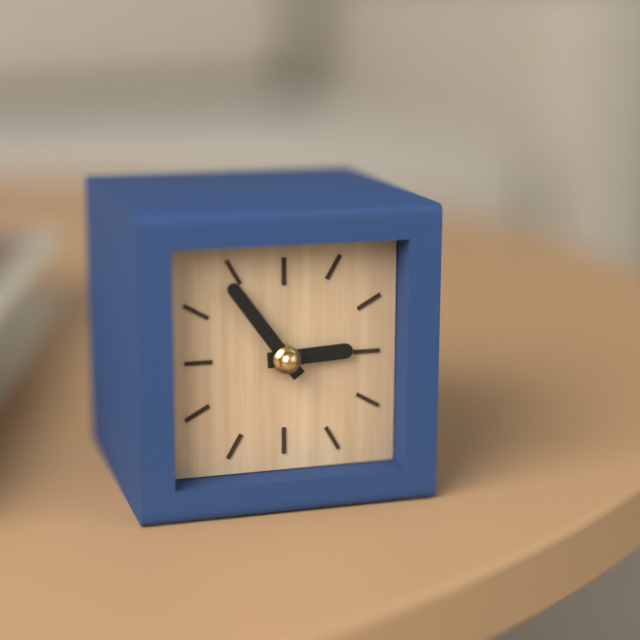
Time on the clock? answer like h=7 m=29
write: h=2 m=54
